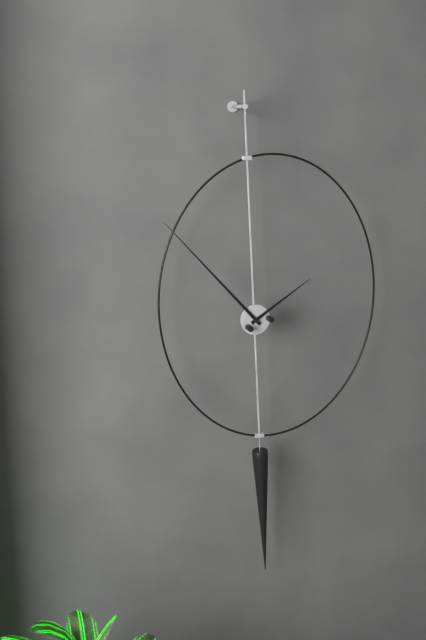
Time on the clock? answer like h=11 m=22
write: h=1 m=53
